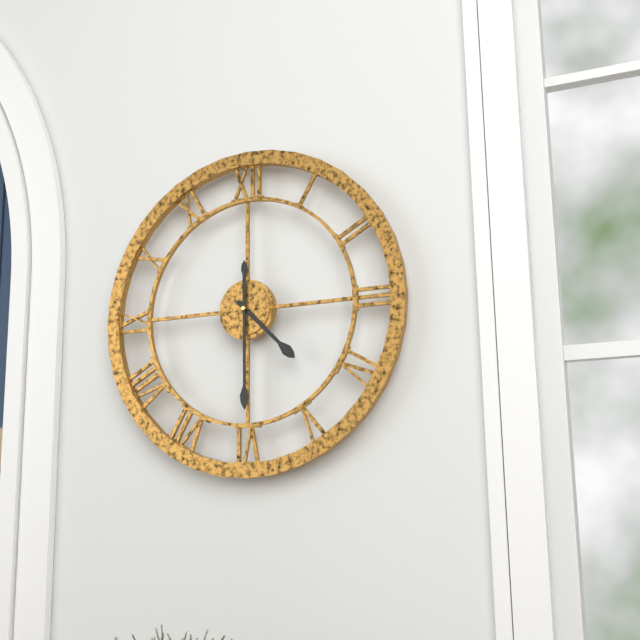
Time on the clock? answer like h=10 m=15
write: h=4 m=30
